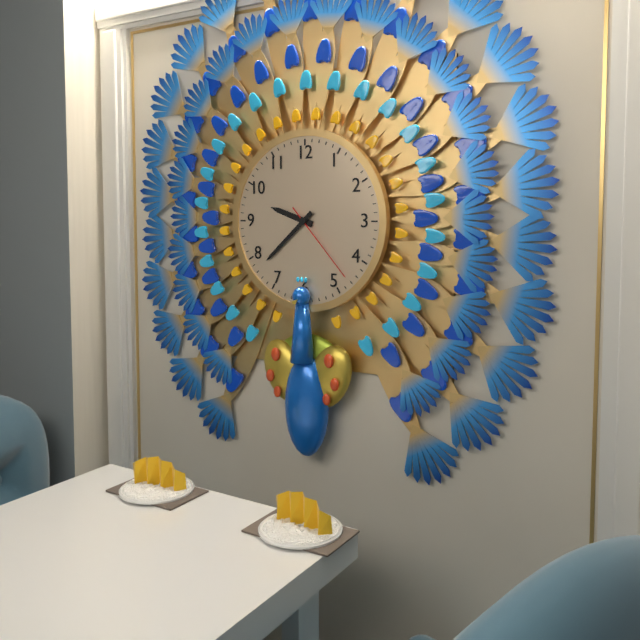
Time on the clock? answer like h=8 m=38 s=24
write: h=9 m=38 s=23
